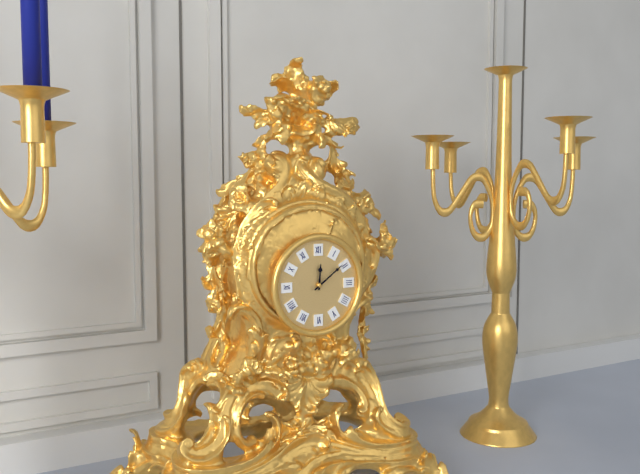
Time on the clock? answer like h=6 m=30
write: h=12 m=9
